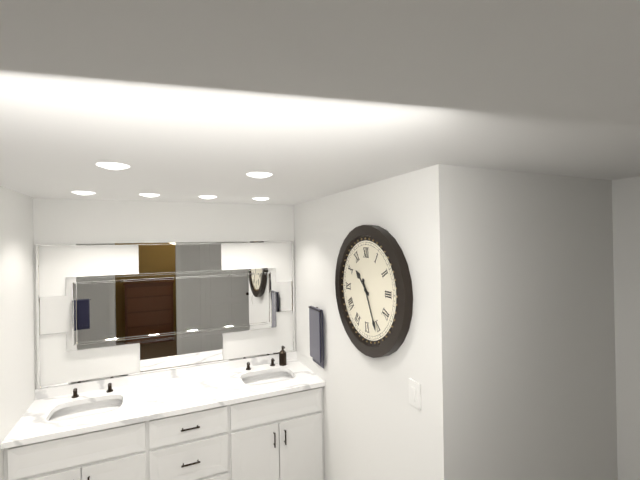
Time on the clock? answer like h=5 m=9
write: h=10 m=26
